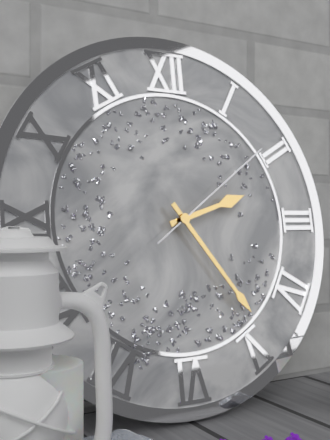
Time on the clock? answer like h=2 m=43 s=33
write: h=2 m=24 s=9
